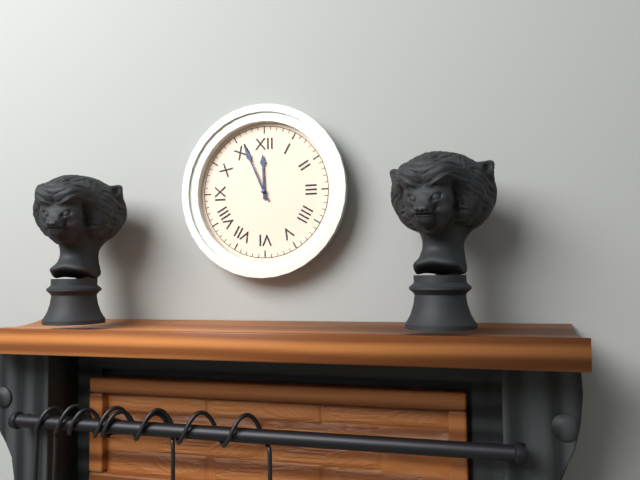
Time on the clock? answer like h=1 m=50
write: h=11 m=56
